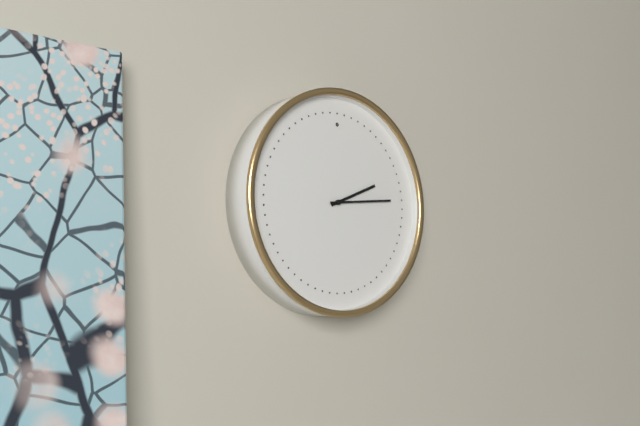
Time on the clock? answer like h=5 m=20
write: h=2 m=14
